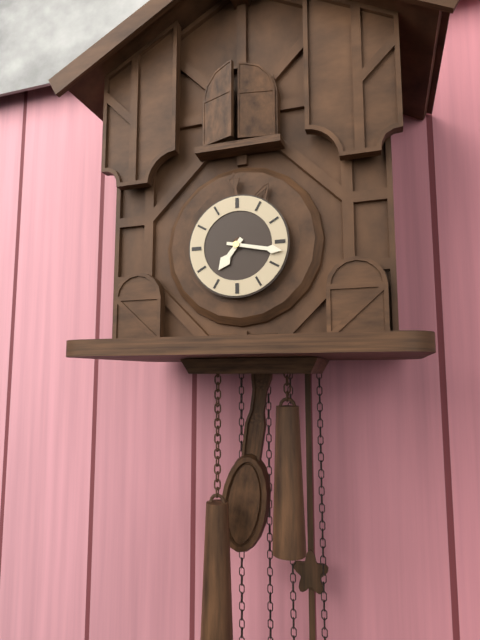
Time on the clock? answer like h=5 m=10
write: h=7 m=17
